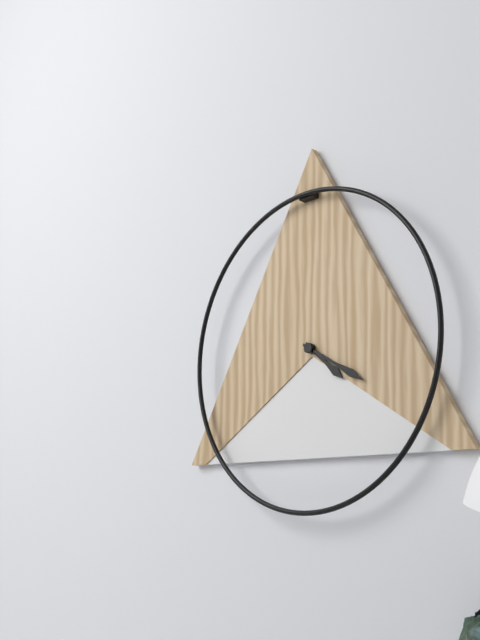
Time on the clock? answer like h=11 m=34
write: h=4 m=20
